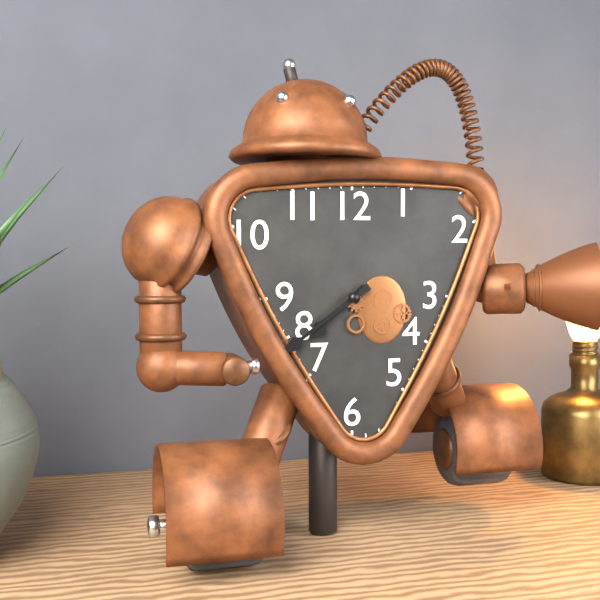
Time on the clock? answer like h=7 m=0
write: h=7 m=39
